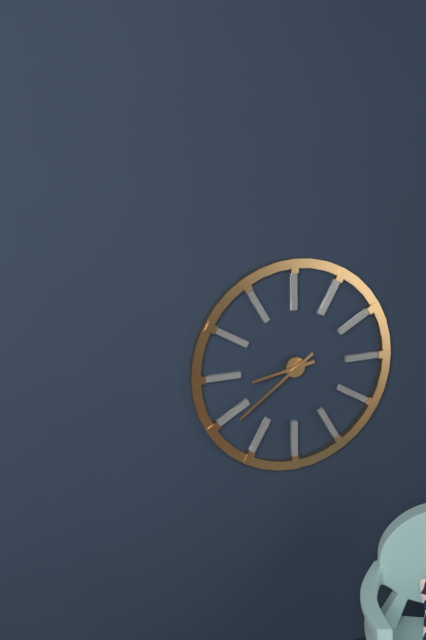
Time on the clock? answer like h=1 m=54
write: h=8 m=39
